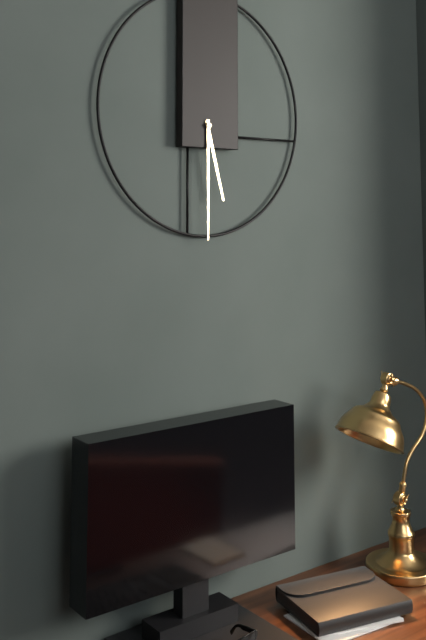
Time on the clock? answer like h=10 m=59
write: h=5 m=30
